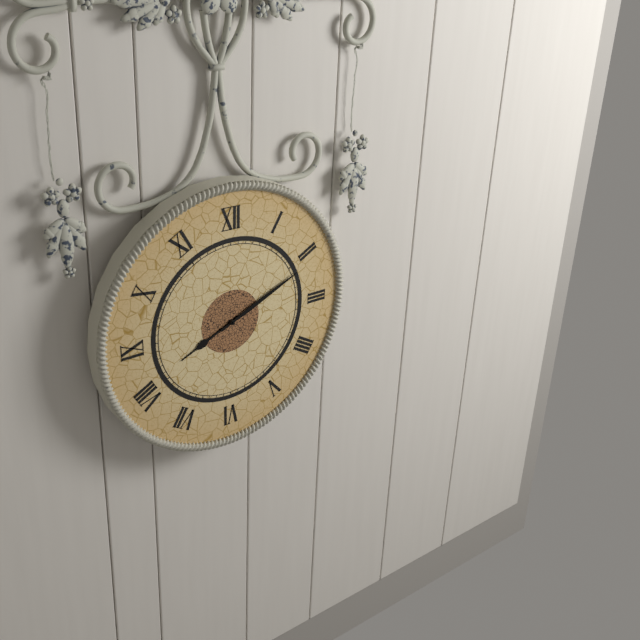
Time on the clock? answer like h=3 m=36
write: h=8 m=11
